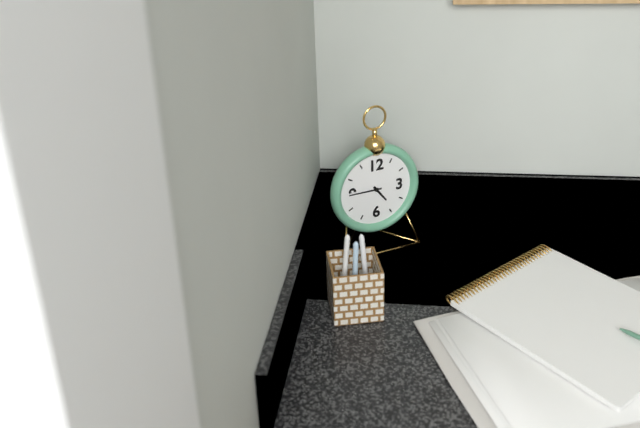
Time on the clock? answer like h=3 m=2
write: h=4 m=45
